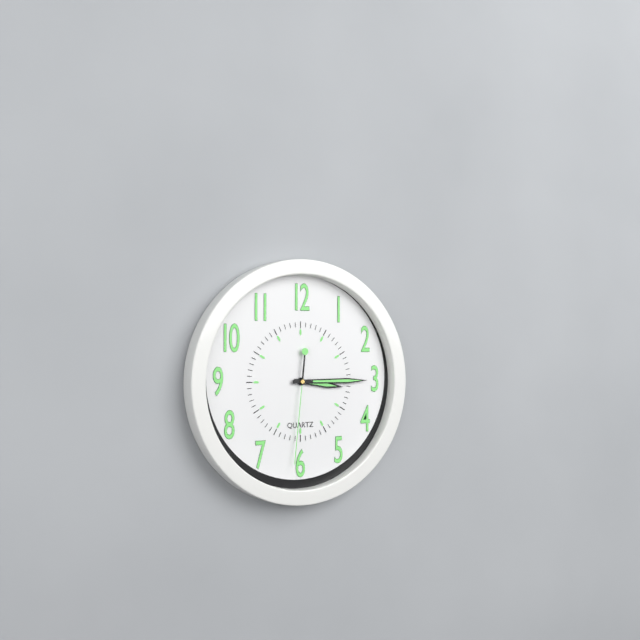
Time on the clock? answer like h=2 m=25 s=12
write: h=3 m=15 s=31
